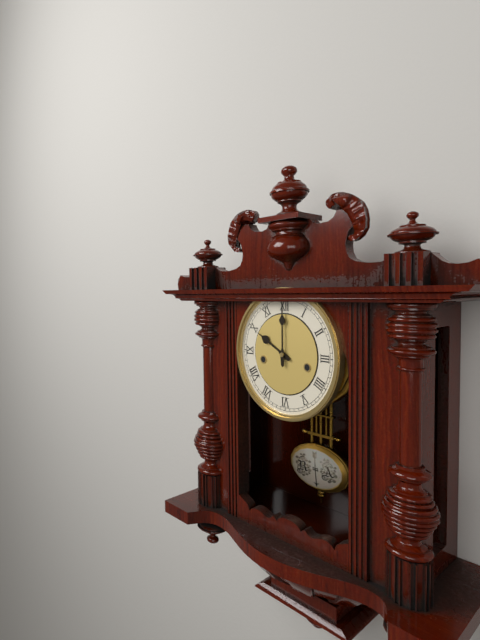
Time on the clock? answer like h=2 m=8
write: h=10 m=0
